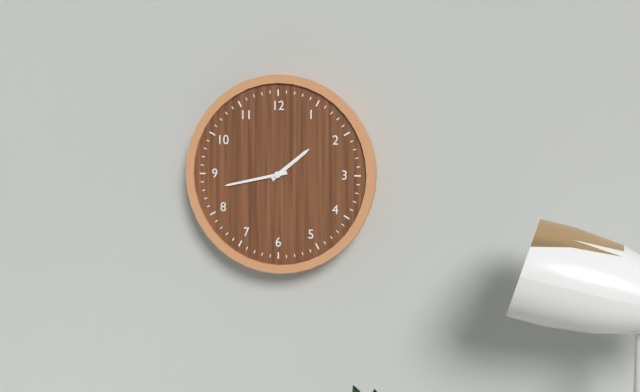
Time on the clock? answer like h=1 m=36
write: h=1 m=43
